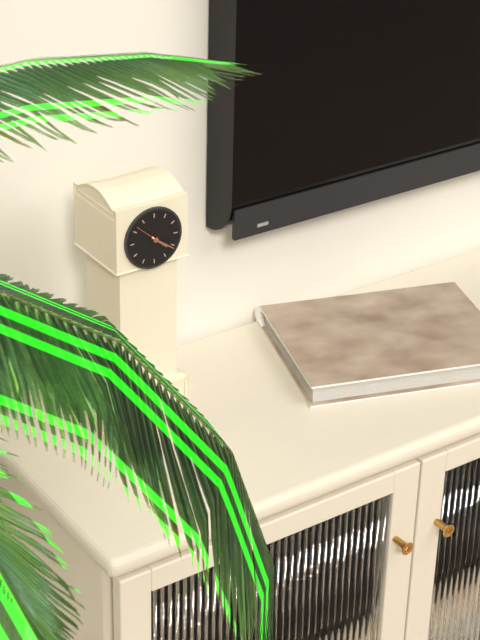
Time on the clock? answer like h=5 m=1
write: h=4 m=21
